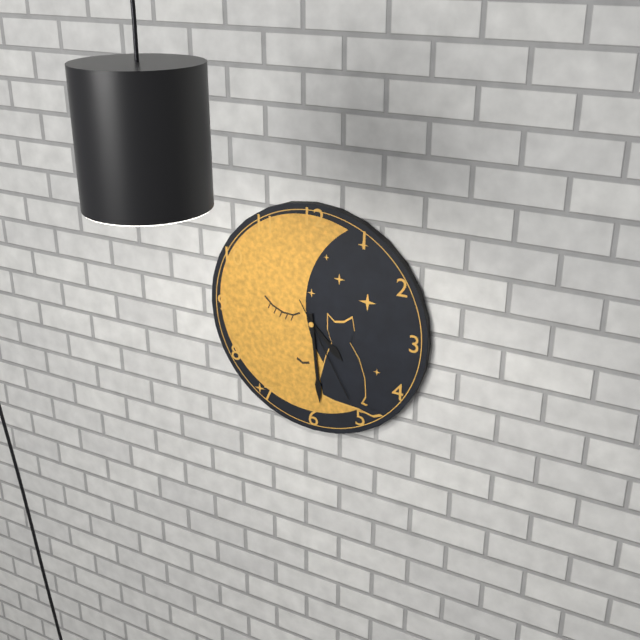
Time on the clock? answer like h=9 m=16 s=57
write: h=4 m=29 s=25
